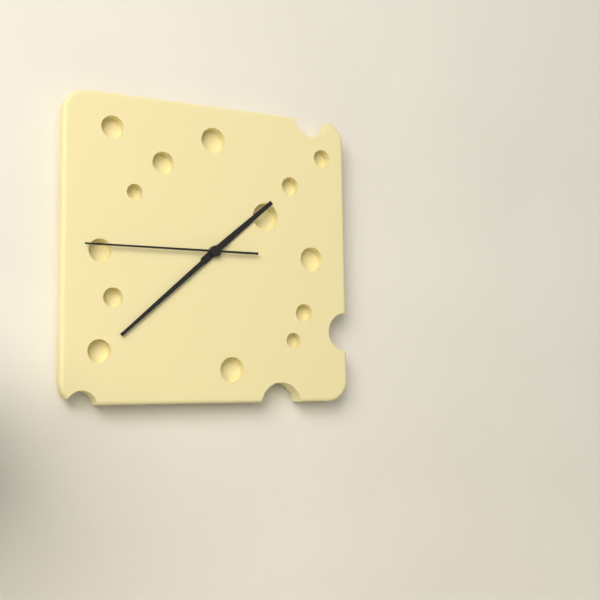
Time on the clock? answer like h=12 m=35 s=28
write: h=1 m=38 s=45
